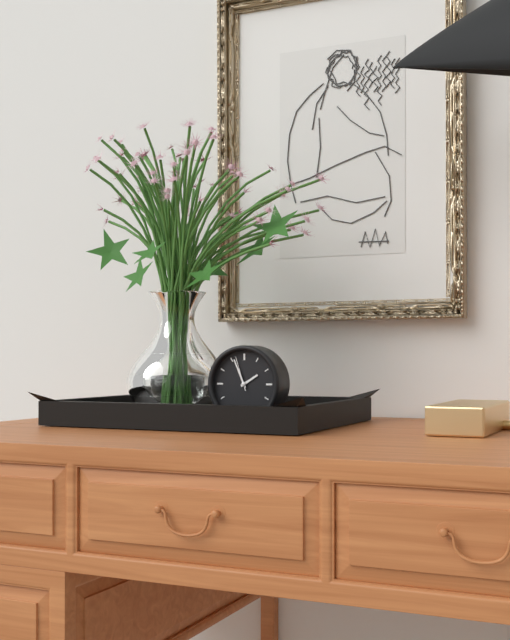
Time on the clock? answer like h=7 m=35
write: h=1 m=56
